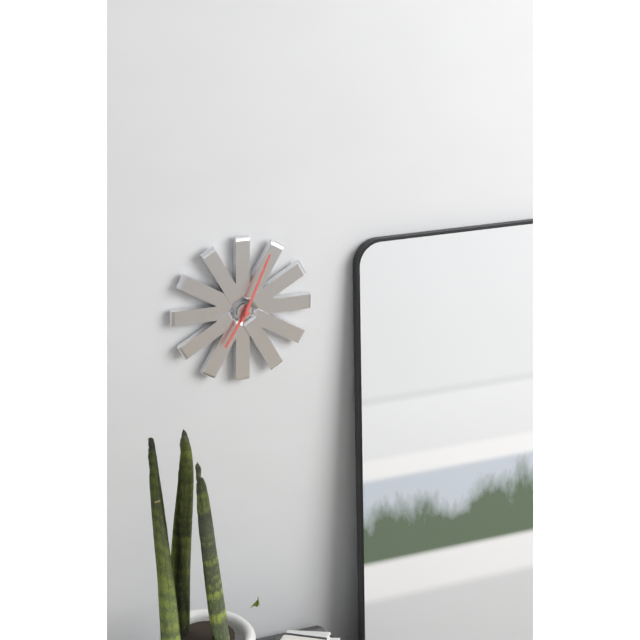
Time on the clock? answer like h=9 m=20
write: h=7 m=4
